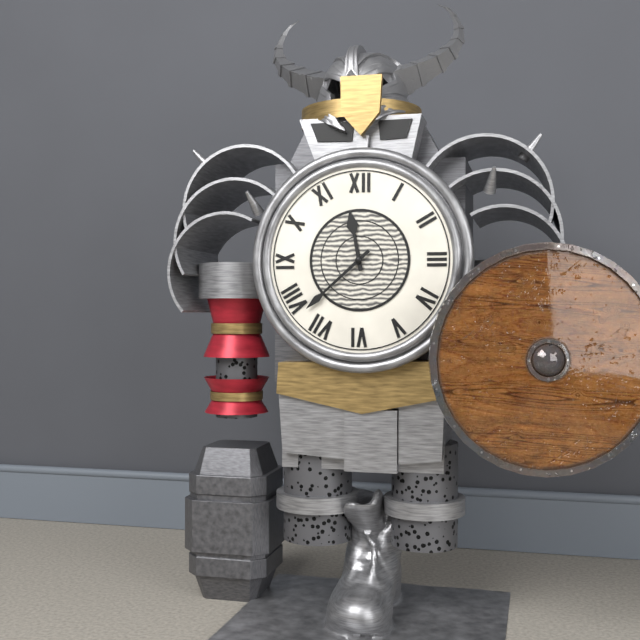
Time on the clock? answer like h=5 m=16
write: h=11 m=38
